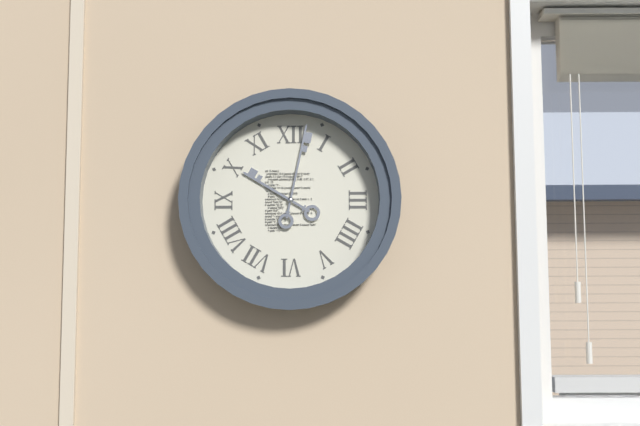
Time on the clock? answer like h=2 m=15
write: h=10 m=2
